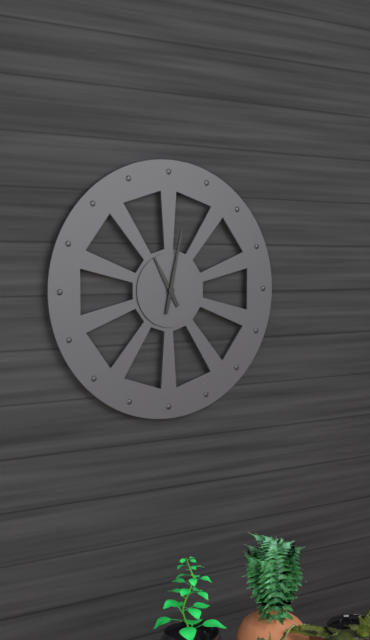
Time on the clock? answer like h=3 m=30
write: h=11 m=2
